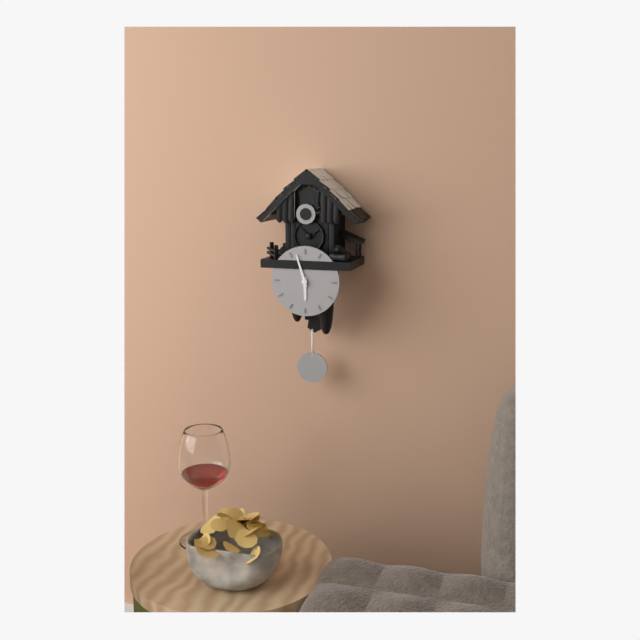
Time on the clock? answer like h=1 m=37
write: h=5 m=57
